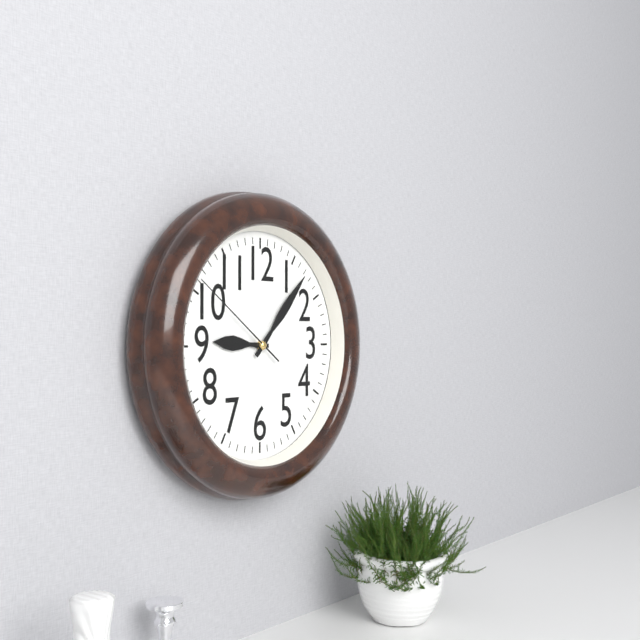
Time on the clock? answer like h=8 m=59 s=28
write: h=9 m=7 s=51
